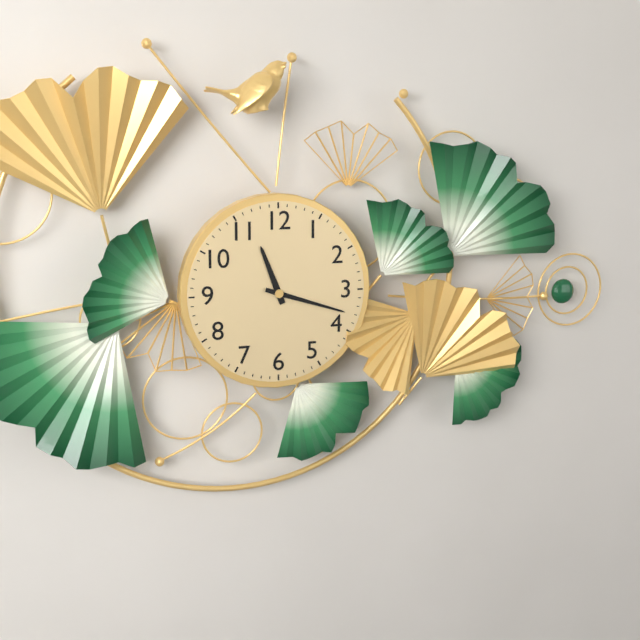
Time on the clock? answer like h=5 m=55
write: h=11 m=18
